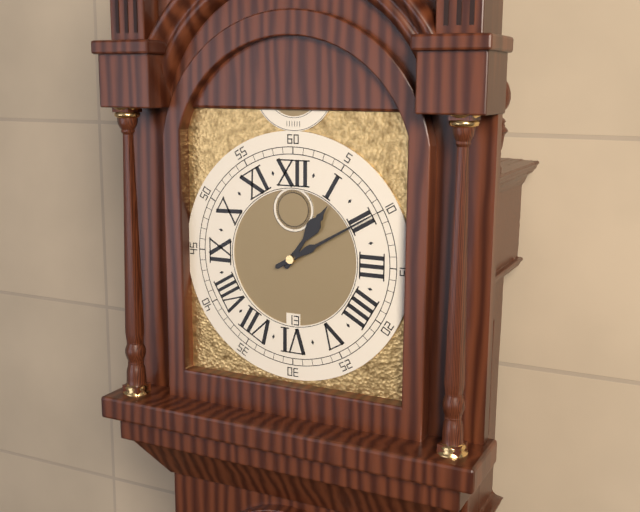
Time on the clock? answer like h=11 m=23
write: h=1 m=10
